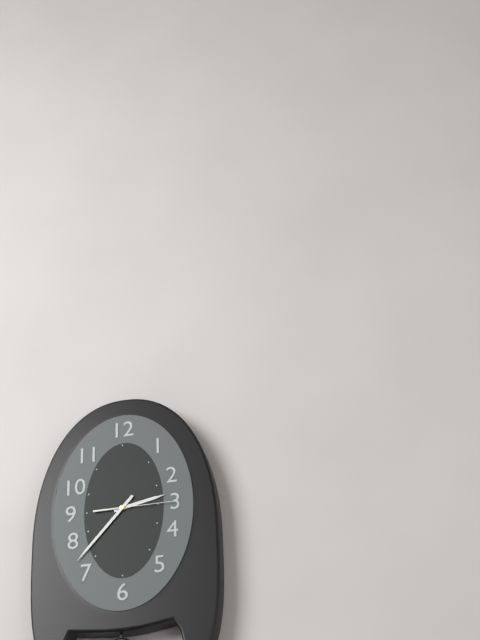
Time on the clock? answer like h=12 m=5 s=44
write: h=2 m=37 s=15
